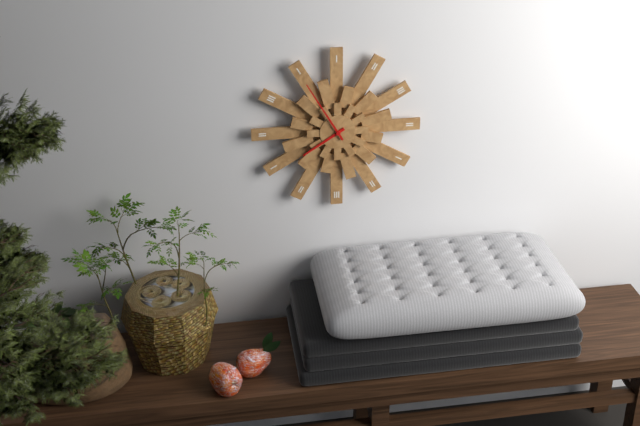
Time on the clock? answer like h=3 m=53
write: h=7 m=55
